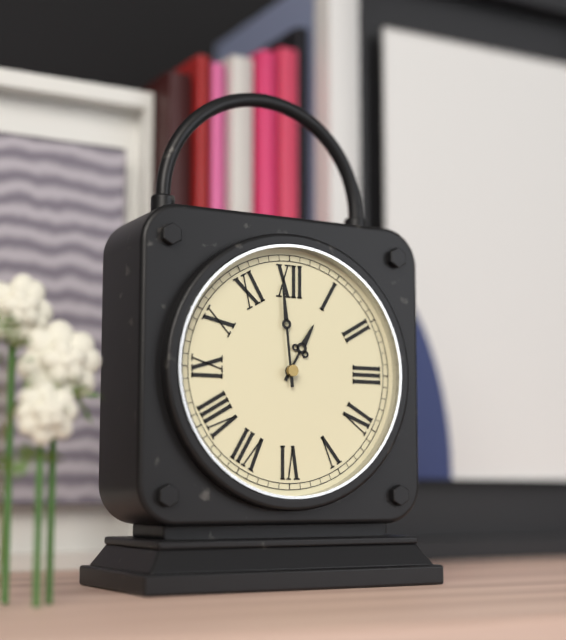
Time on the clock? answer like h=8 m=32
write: h=12 m=59
